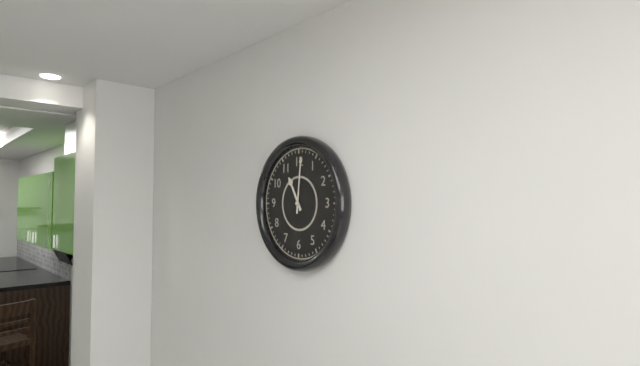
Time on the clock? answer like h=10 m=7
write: h=11 m=1
